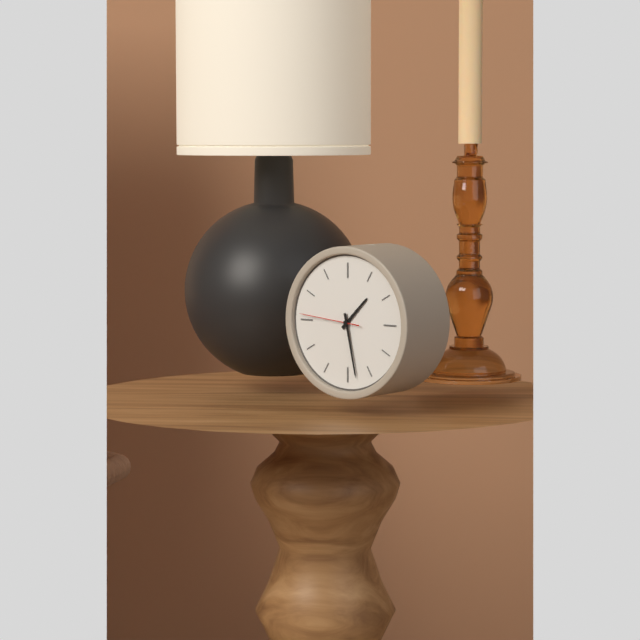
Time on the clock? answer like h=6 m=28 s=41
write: h=1 m=28 s=46
